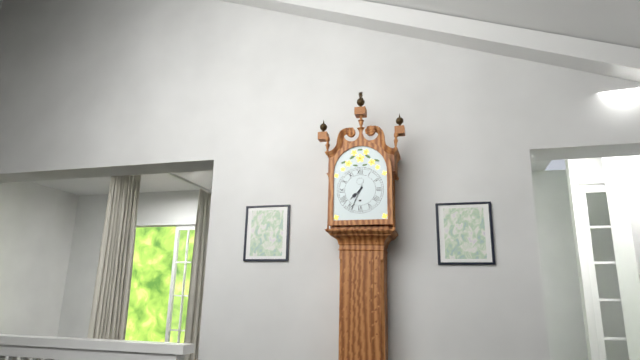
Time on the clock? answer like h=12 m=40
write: h=7 m=34
